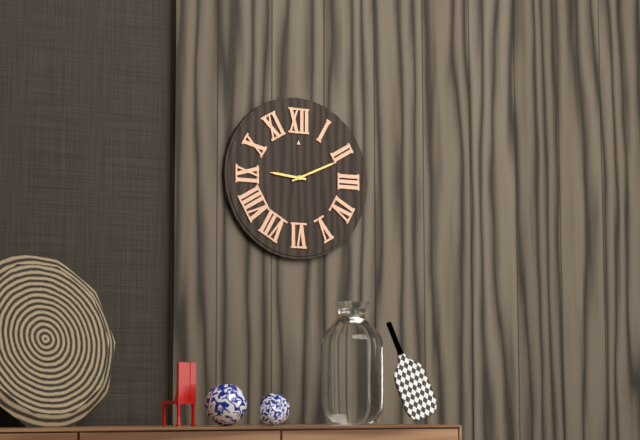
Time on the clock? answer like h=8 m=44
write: h=9 m=11
